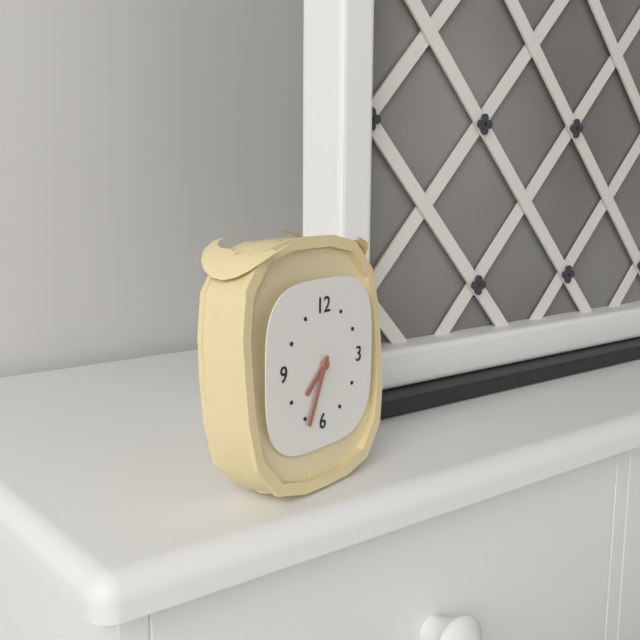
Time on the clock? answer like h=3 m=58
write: h=7 m=34
